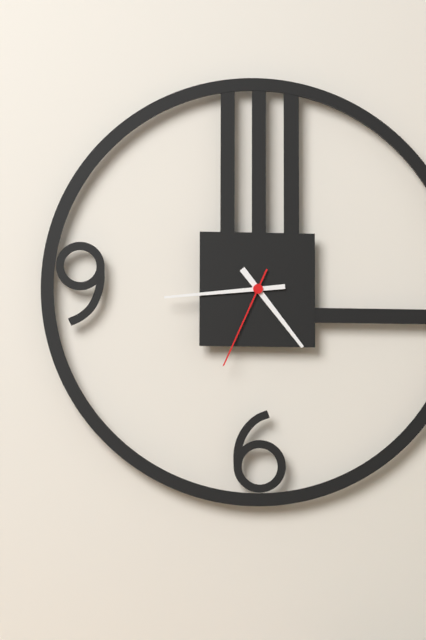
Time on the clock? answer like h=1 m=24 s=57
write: h=4 m=44 s=34
